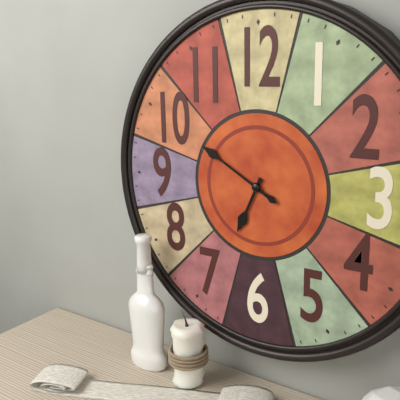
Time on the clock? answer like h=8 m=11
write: h=6 m=50
